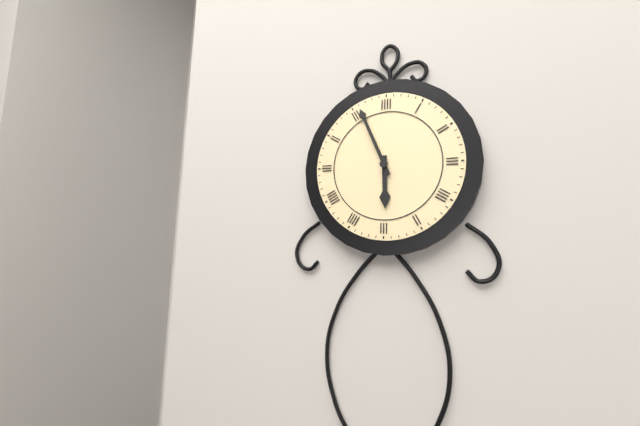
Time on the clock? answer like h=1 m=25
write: h=5 m=56
